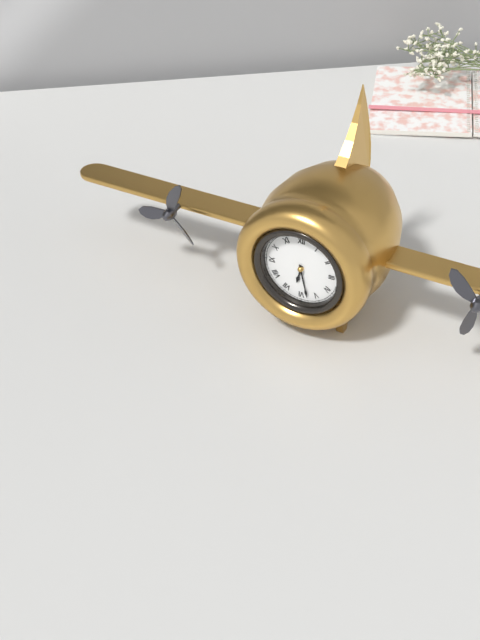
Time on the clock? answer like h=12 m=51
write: h=6 m=28
